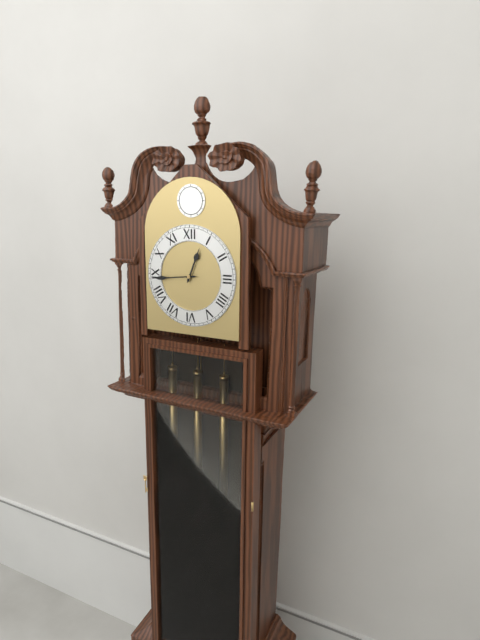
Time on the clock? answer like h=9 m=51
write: h=12 m=44
